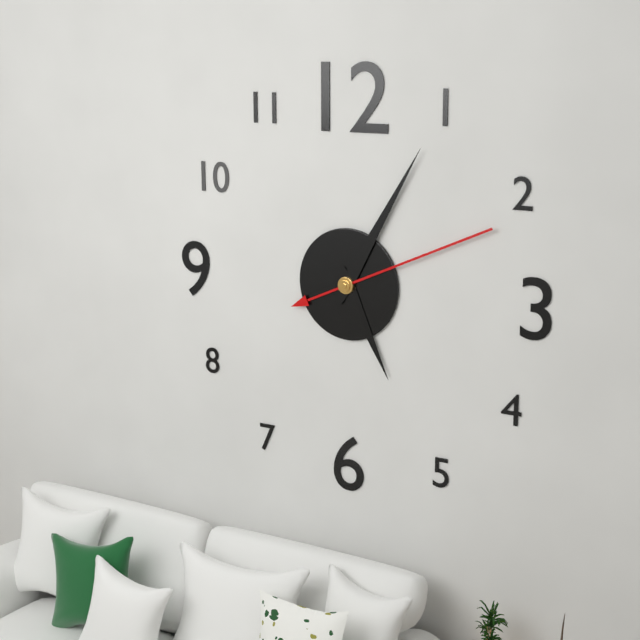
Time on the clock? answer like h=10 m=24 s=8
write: h=5 m=5 s=11
